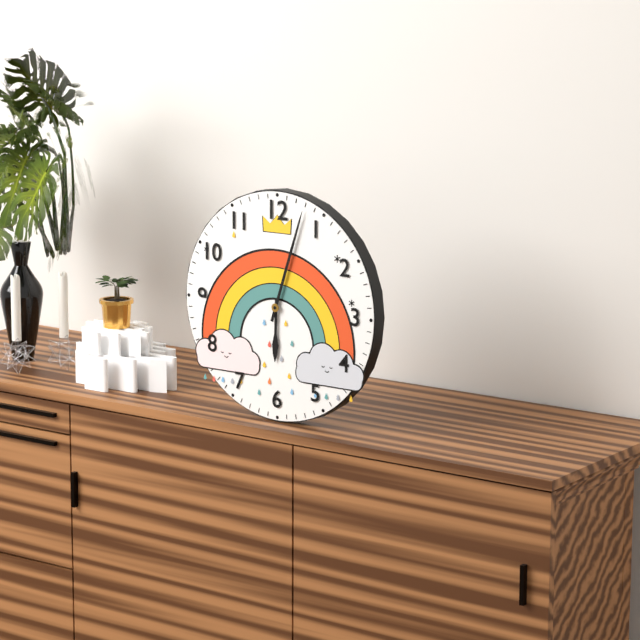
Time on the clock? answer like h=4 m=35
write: h=6 m=3
